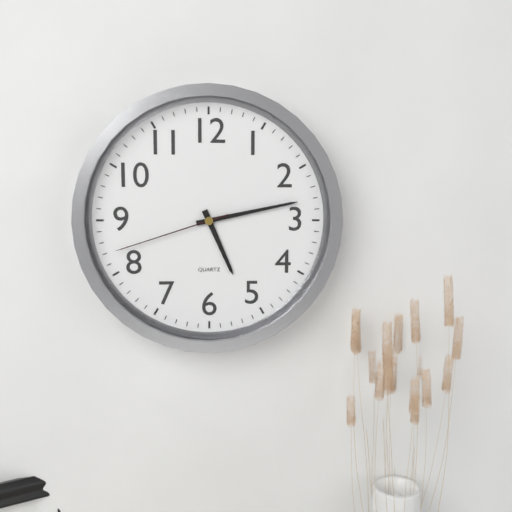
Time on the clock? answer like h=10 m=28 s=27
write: h=5 m=13 s=42
